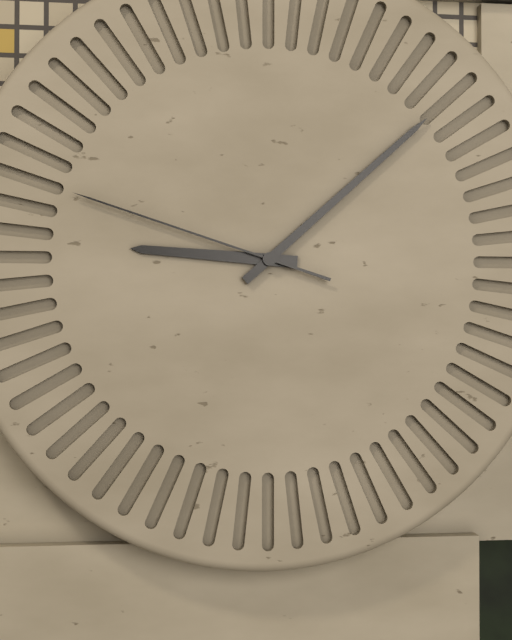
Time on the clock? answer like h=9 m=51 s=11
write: h=9 m=8 s=48
